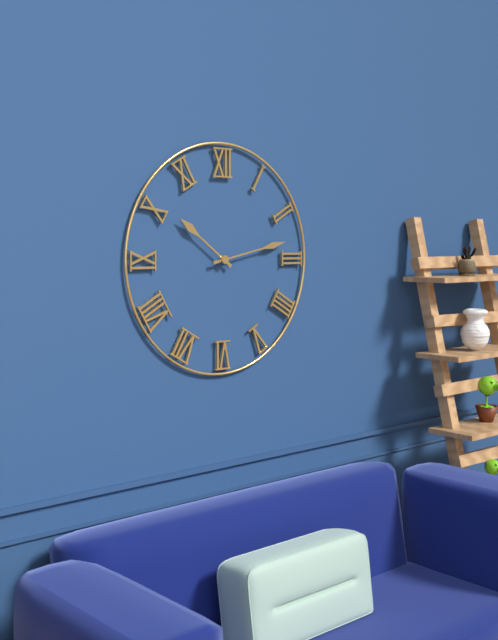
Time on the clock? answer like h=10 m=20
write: h=10 m=13
